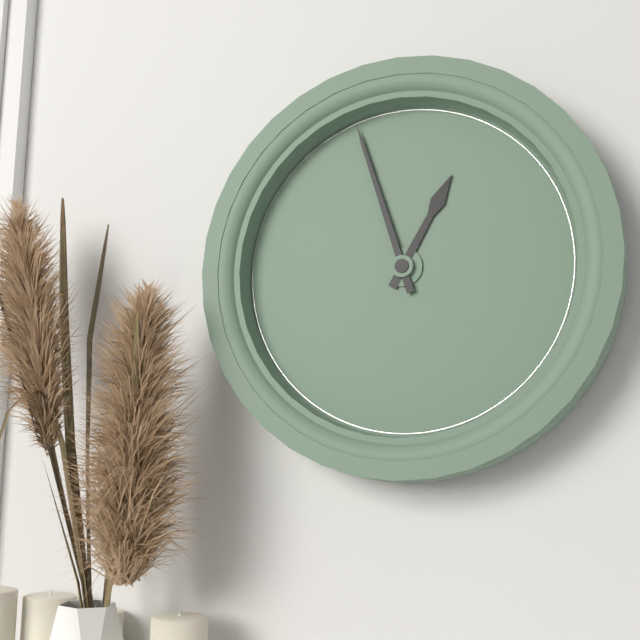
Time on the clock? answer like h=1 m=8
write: h=12 m=57
